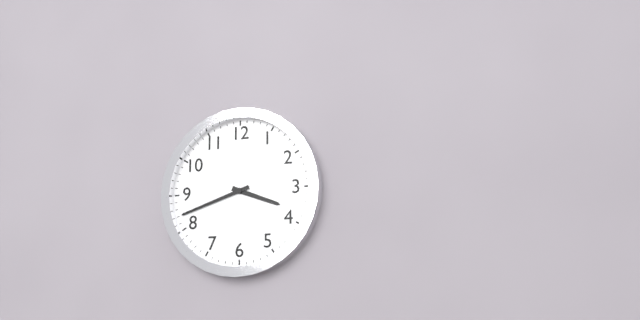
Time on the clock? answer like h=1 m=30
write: h=3 m=42
